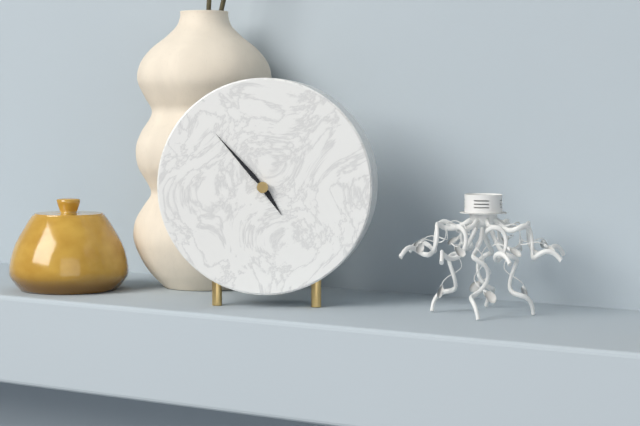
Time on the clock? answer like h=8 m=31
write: h=4 m=53
